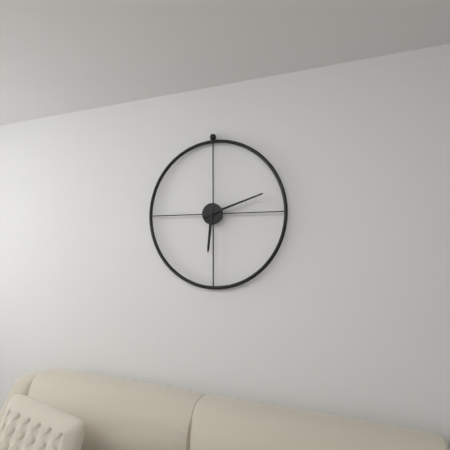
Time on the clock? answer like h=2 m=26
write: h=6 m=12
